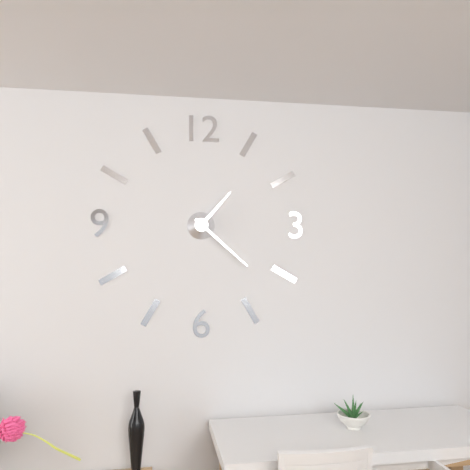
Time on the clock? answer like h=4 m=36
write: h=1 m=22
